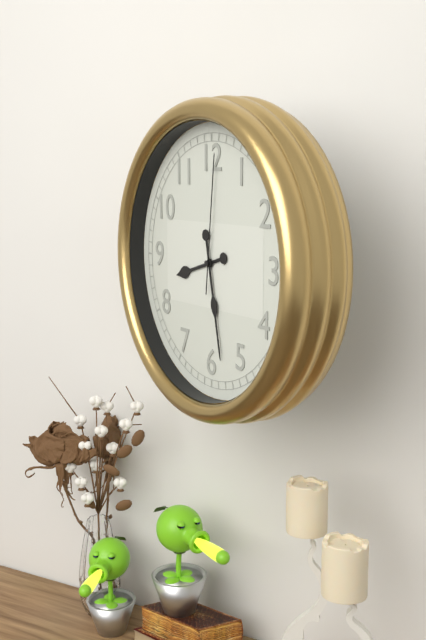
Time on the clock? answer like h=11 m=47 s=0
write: h=8 m=28 s=1
